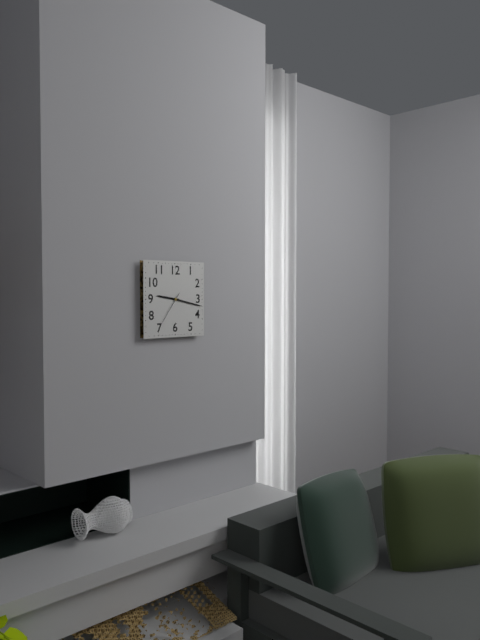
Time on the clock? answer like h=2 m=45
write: h=9 m=17
